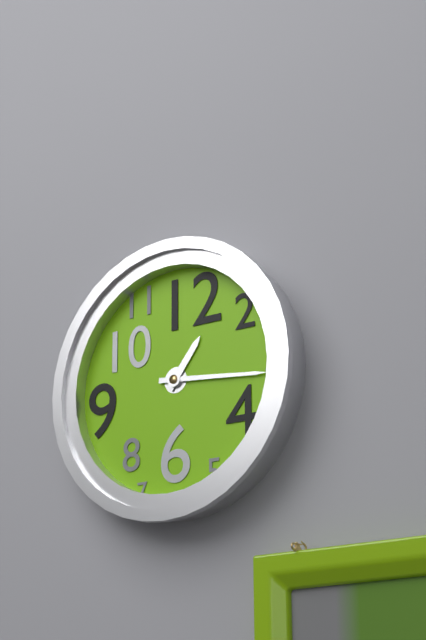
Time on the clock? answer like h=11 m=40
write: h=1 m=16
